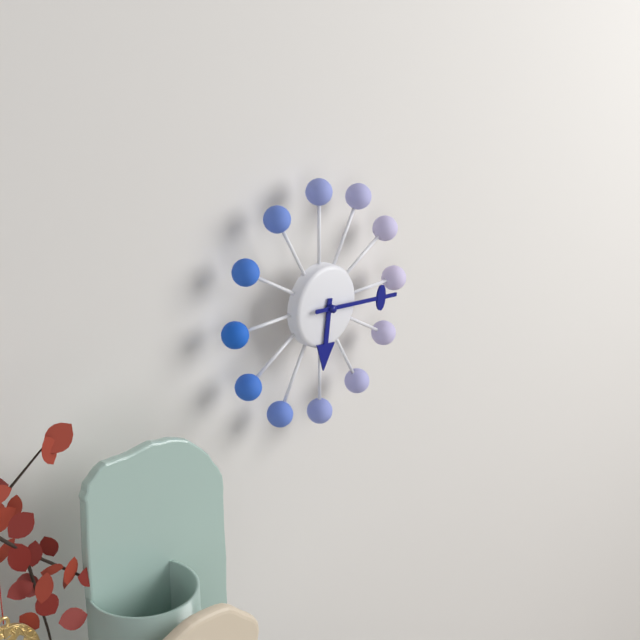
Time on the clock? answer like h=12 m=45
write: h=6 m=16
